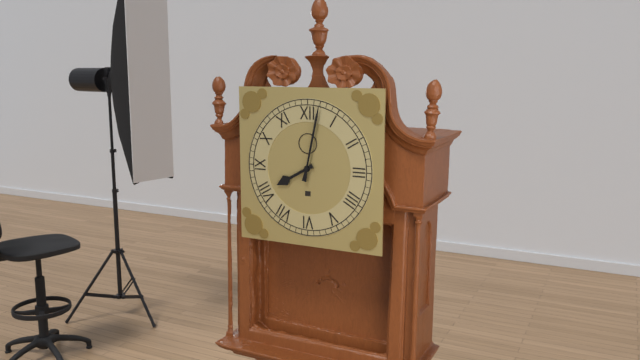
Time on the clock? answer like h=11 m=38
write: h=8 m=2
